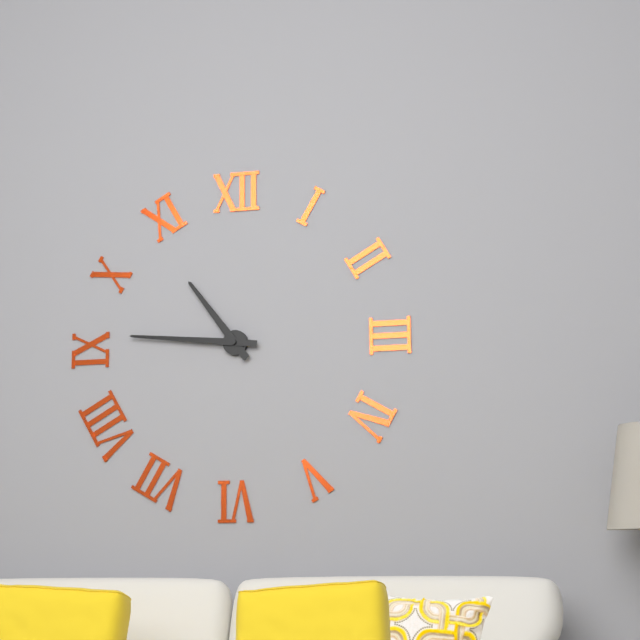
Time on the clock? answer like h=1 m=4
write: h=10 m=46
